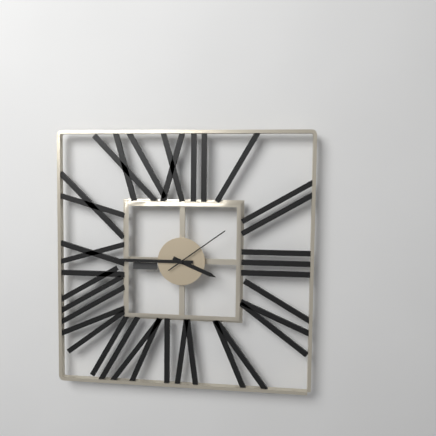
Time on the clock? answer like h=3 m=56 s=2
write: h=3 m=45 s=9
